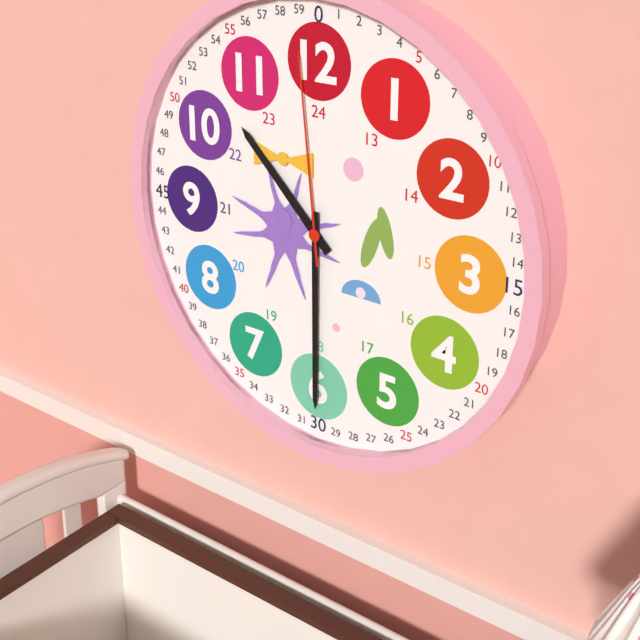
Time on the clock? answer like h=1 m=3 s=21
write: h=10 m=30 s=59
